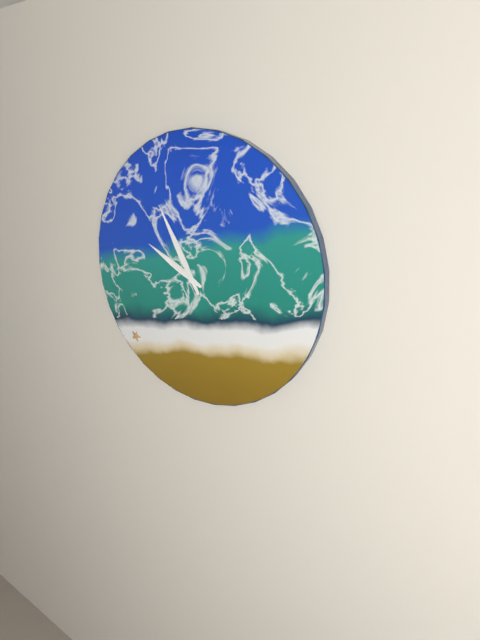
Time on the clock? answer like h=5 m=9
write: h=9 m=55
